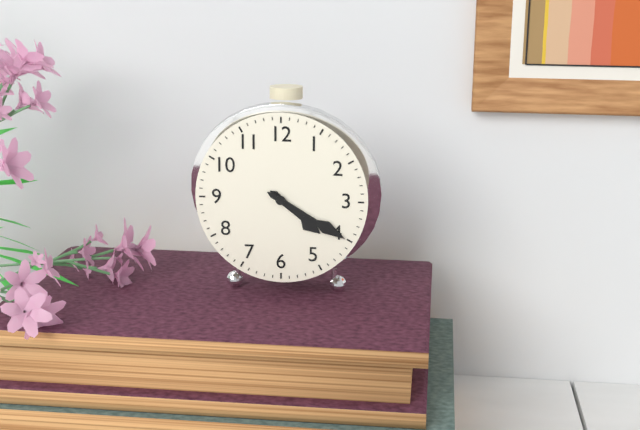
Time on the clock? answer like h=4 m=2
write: h=4 m=20
